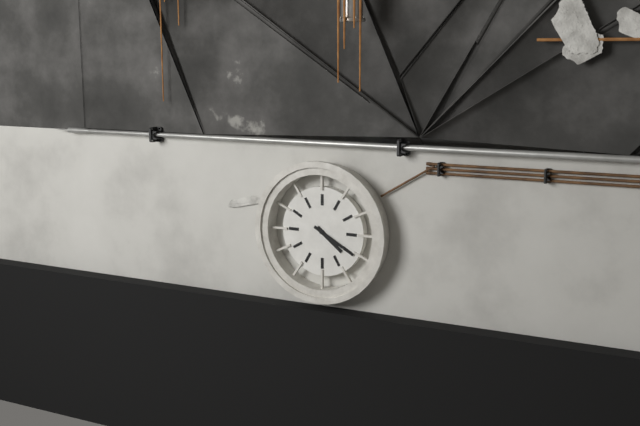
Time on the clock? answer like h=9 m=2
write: h=4 m=20
